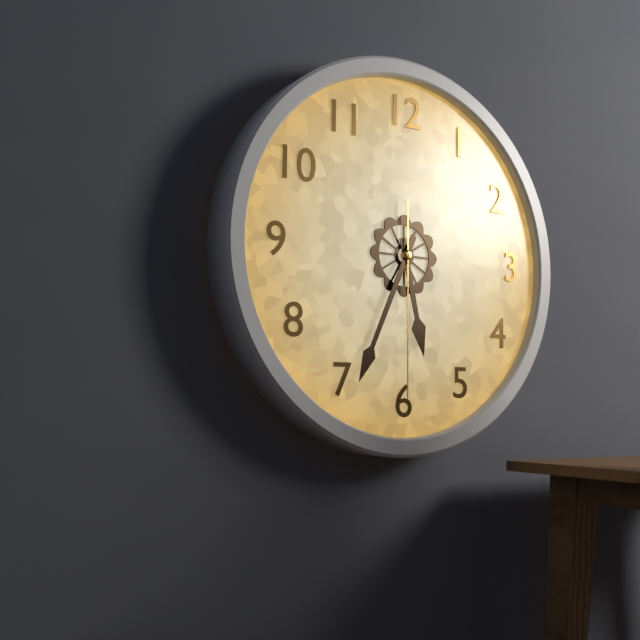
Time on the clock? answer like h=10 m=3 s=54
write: h=5 m=34 s=30
